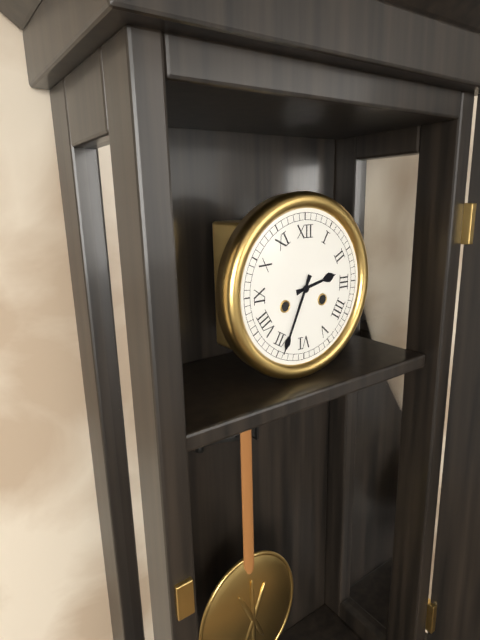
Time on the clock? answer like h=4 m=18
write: h=2 m=34
